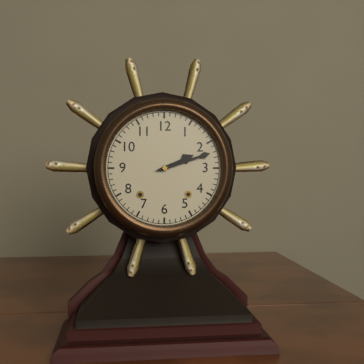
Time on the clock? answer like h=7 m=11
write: h=2 m=12
